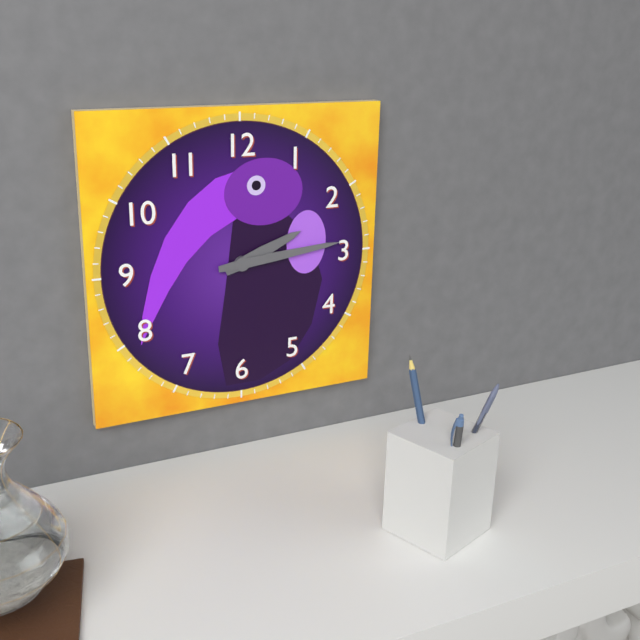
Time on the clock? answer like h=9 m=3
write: h=2 m=14
